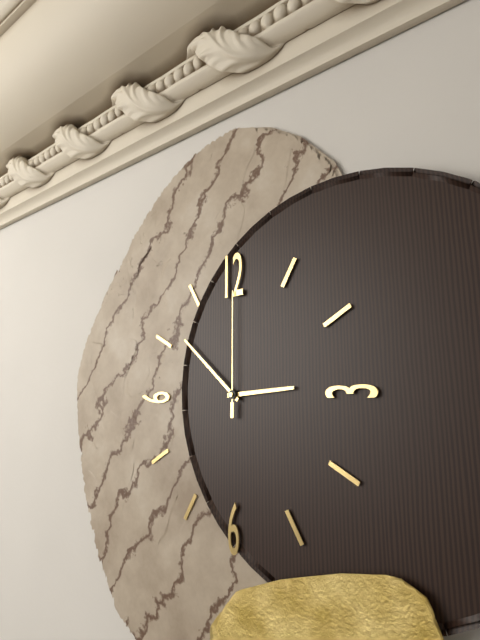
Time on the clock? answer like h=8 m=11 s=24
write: h=2 m=52 s=0
